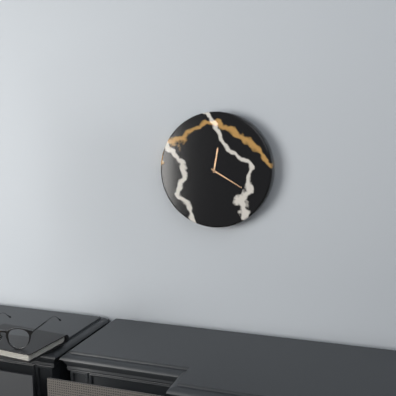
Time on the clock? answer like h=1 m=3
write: h=12 m=20
